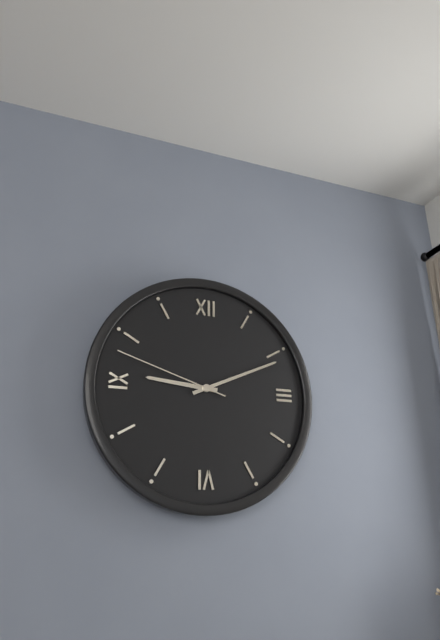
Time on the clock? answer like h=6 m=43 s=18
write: h=9 m=11 s=48
